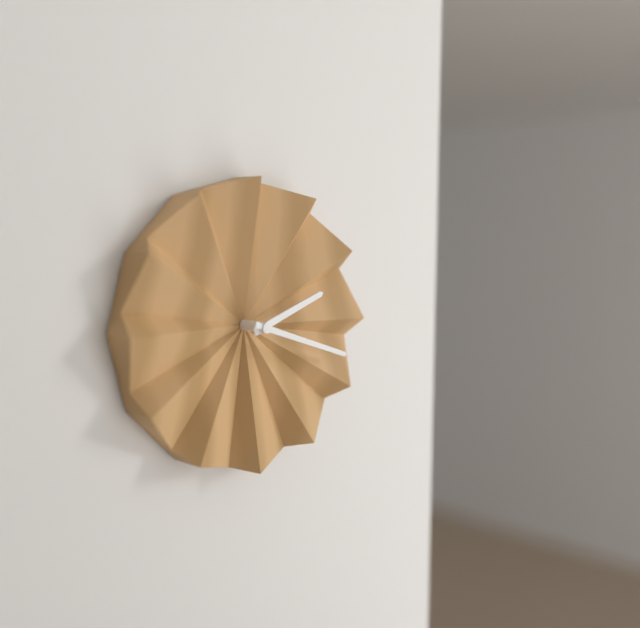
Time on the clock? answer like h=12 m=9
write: h=2 m=18
